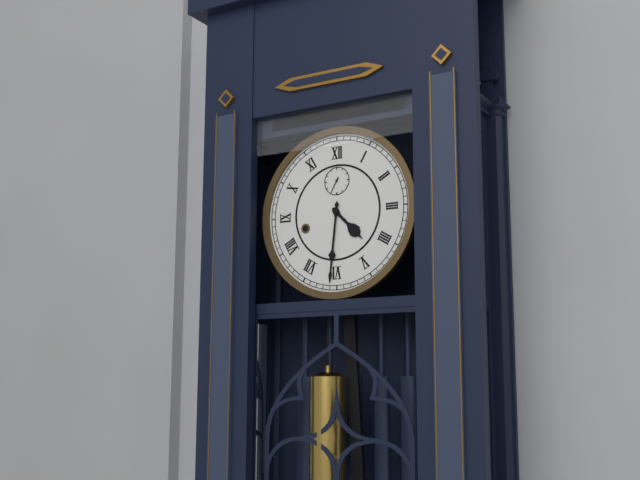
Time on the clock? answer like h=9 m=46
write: h=4 m=31
